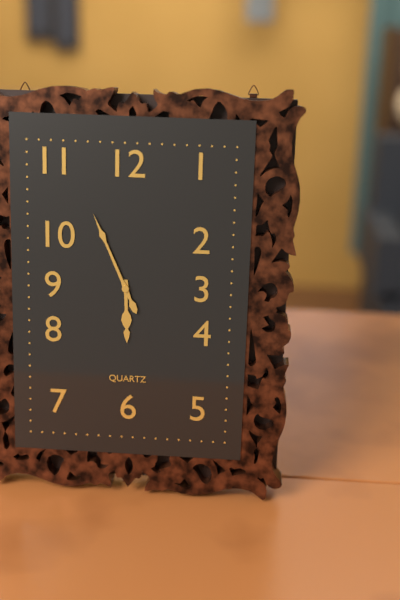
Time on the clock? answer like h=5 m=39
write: h=5 m=56
